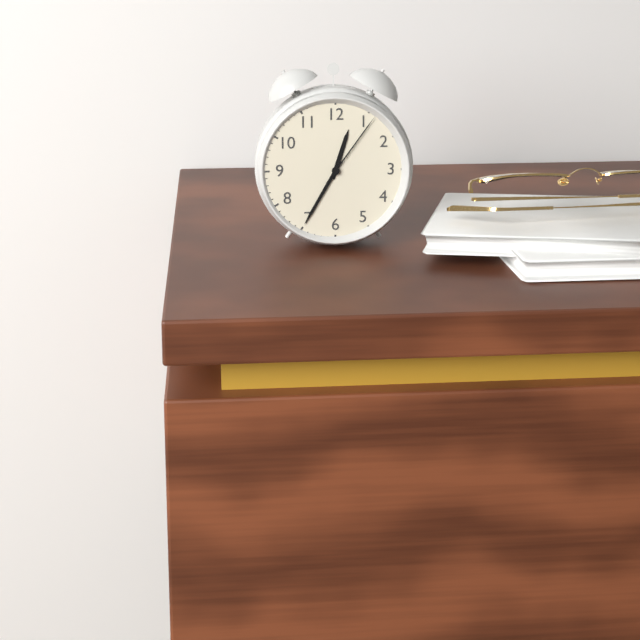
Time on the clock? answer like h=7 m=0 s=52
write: h=12 m=35 s=6
